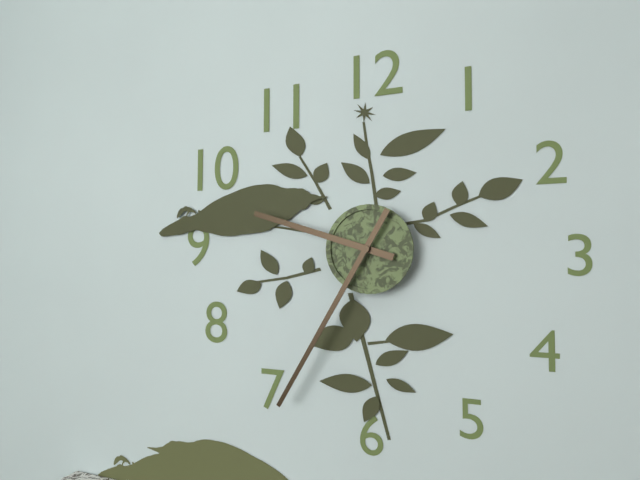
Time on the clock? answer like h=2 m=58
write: h=9 m=35
